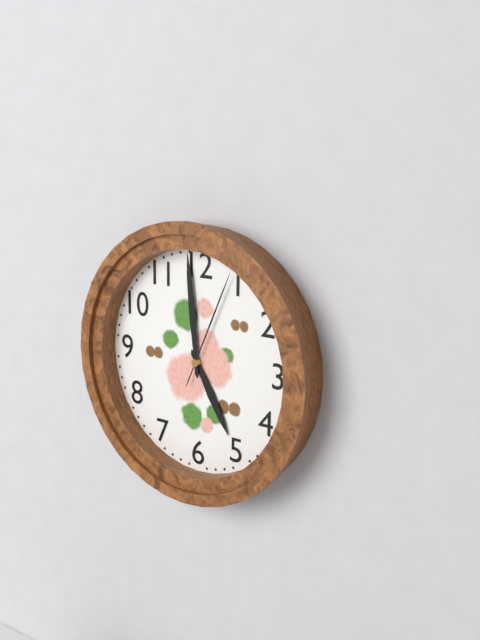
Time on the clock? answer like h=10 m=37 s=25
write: h=4 m=59 s=4
